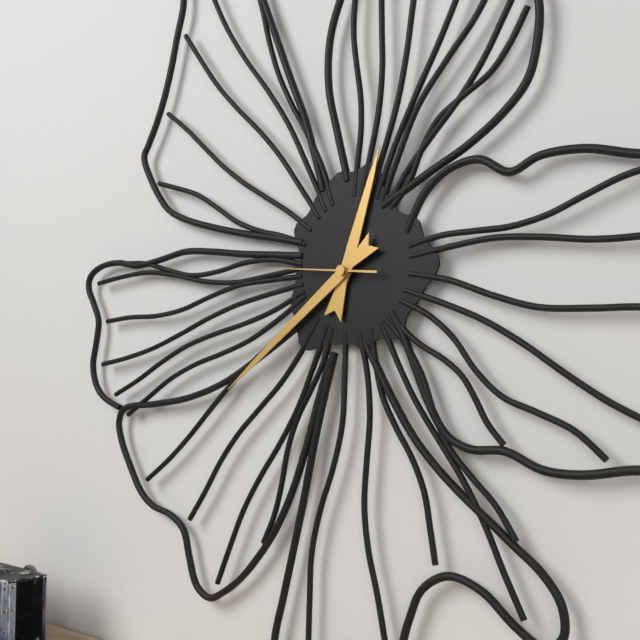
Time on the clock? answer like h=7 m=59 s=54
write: h=12 m=39 s=46
